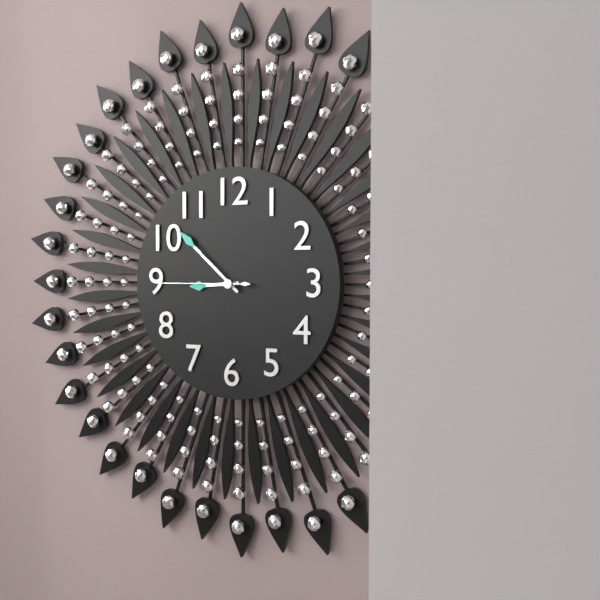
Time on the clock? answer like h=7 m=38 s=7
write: h=8 m=52 s=45
